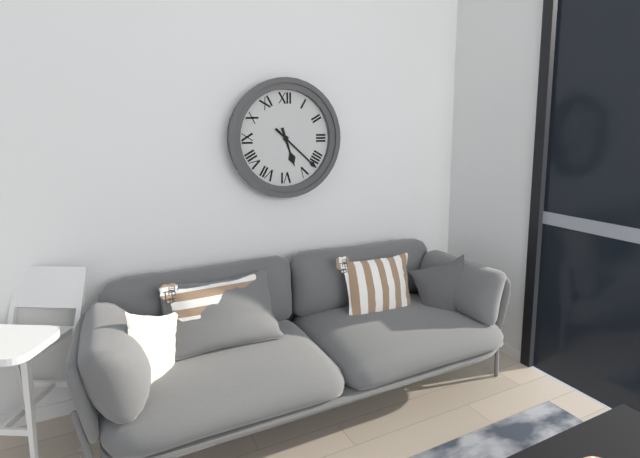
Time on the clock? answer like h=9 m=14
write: h=5 m=22
